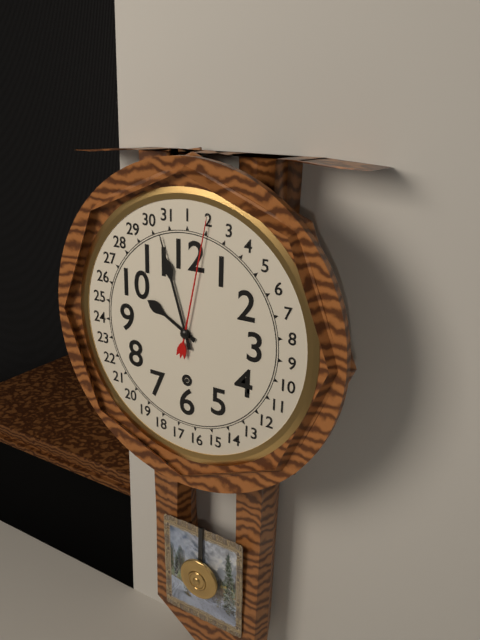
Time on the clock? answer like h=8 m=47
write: h=9 m=57
